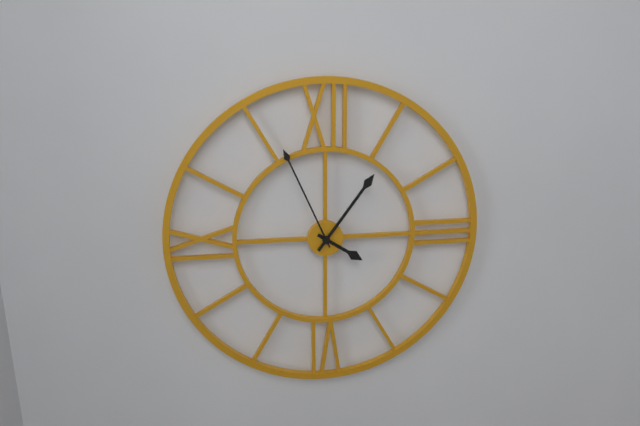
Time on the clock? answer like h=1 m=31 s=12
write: h=4 m=6 s=56
